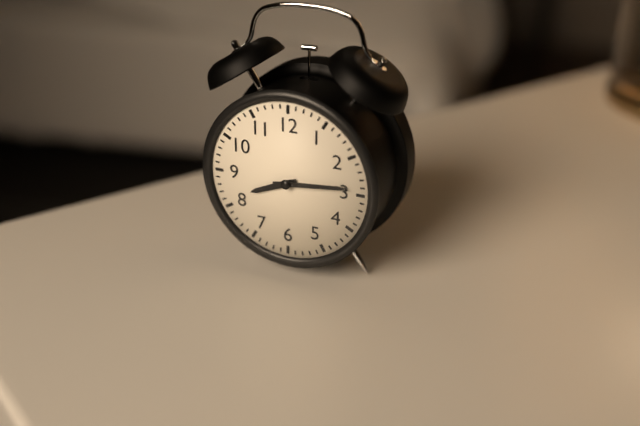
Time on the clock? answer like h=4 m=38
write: h=8 m=14
